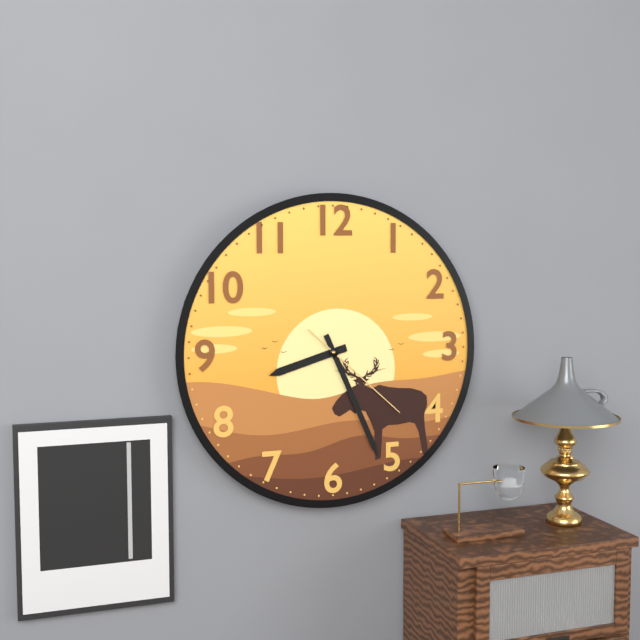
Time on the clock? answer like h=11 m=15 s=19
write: h=8 m=26 s=22
